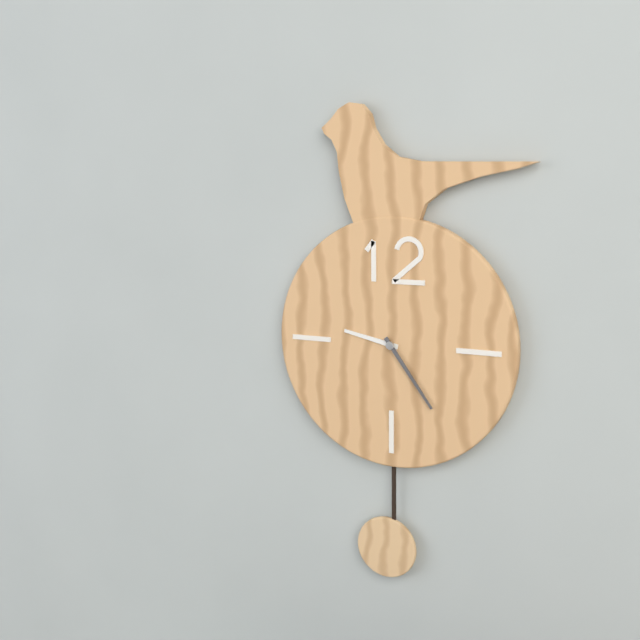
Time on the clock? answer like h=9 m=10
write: h=9 m=24
